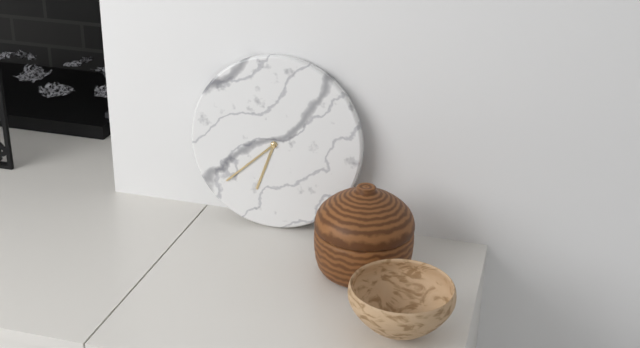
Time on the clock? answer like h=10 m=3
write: h=6 m=38
